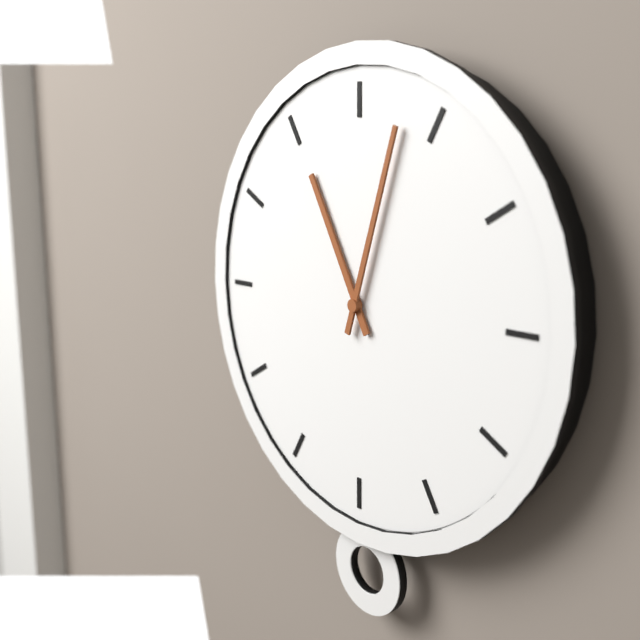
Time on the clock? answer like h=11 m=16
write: h=11 m=3
